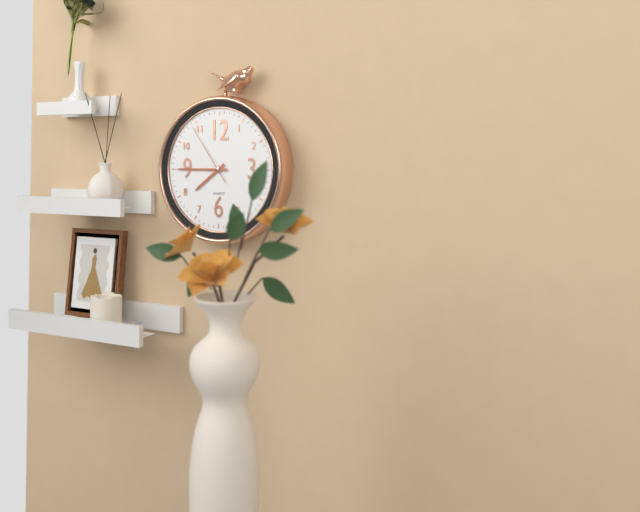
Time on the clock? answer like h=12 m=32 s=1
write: h=7 m=45 s=54
